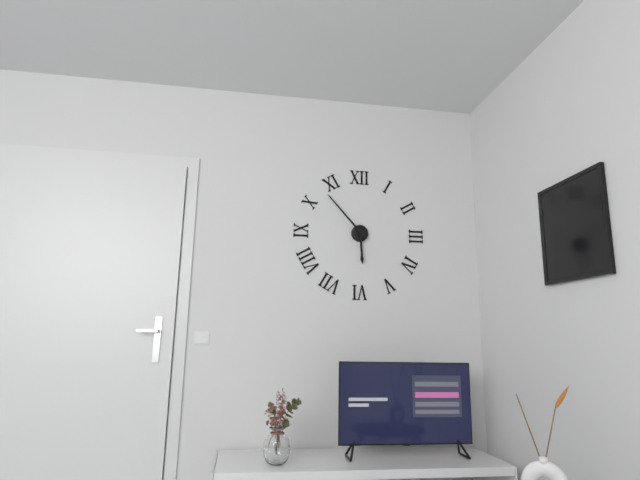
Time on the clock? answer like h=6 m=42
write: h=5 m=53
